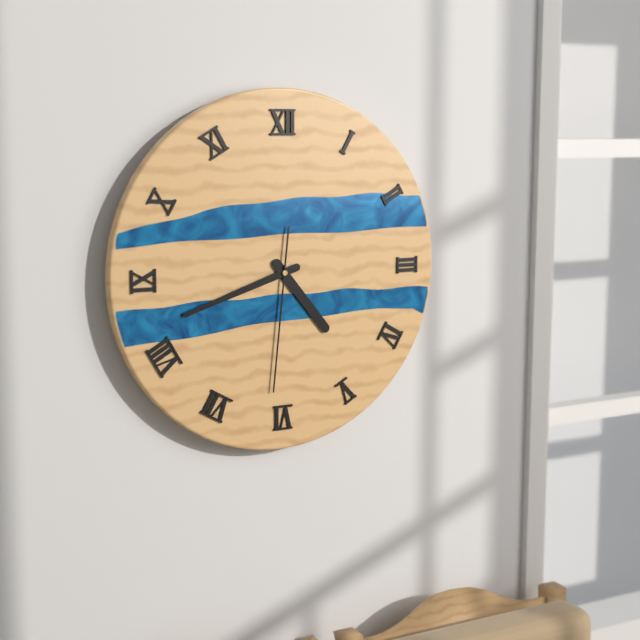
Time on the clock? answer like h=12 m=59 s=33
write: h=4 m=42 s=31
